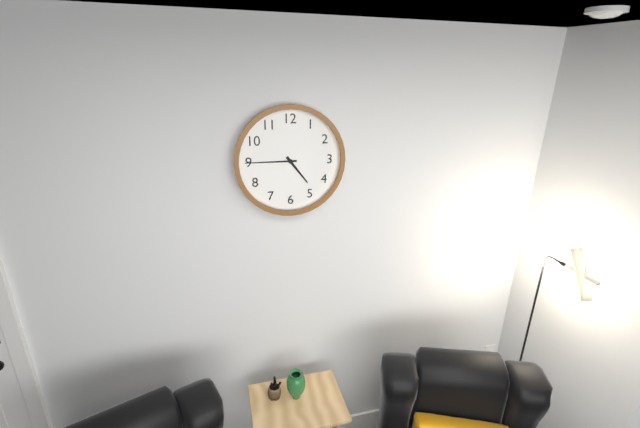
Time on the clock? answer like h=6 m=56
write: h=4 m=45
